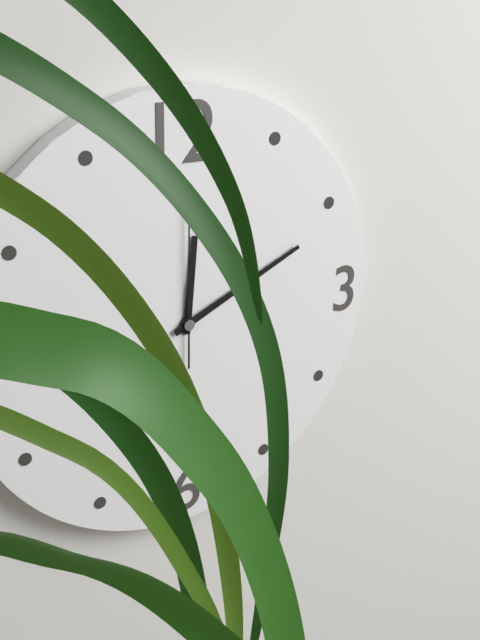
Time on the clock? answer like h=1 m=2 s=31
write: h=12 m=11 s=0
